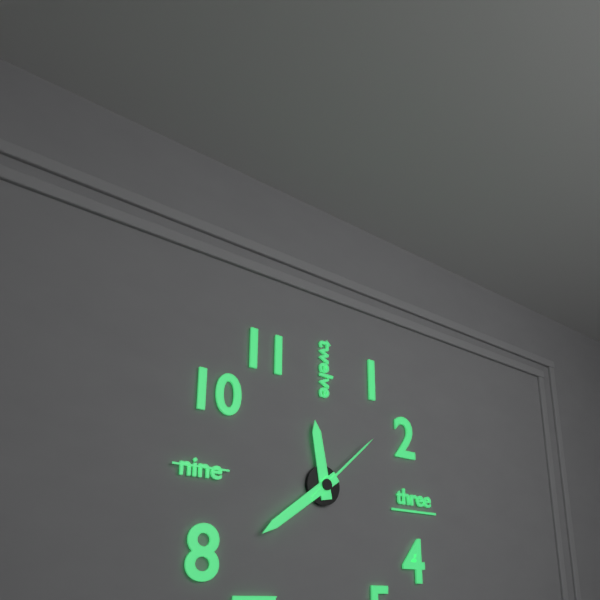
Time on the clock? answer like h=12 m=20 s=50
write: h=11 m=39 s=8
